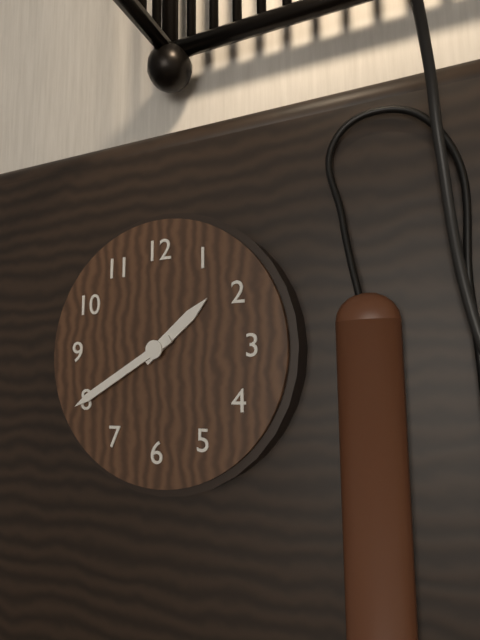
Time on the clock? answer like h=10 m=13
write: h=1 m=40
